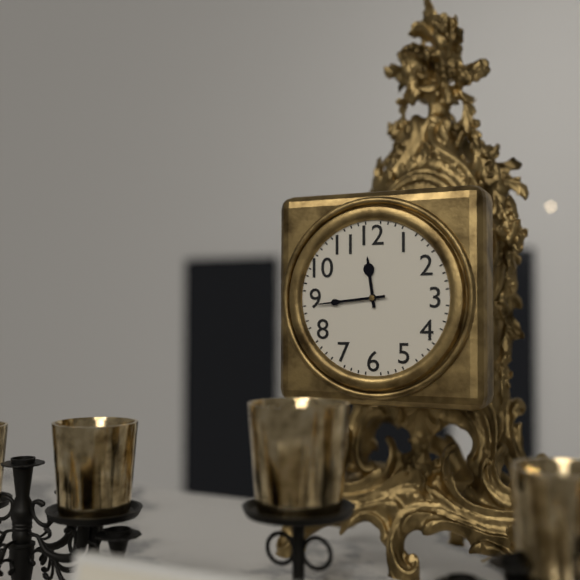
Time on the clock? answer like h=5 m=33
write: h=11 m=44
